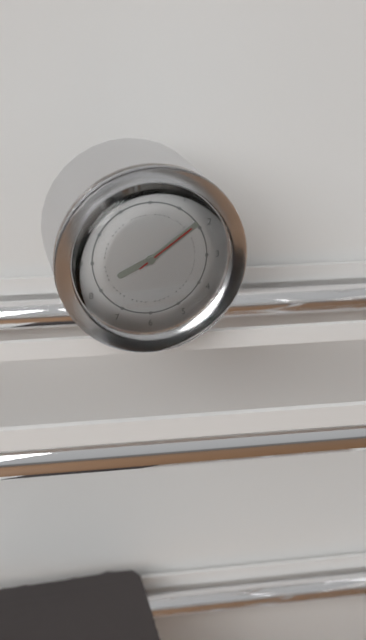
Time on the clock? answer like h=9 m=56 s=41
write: h=8 m=9 s=9
